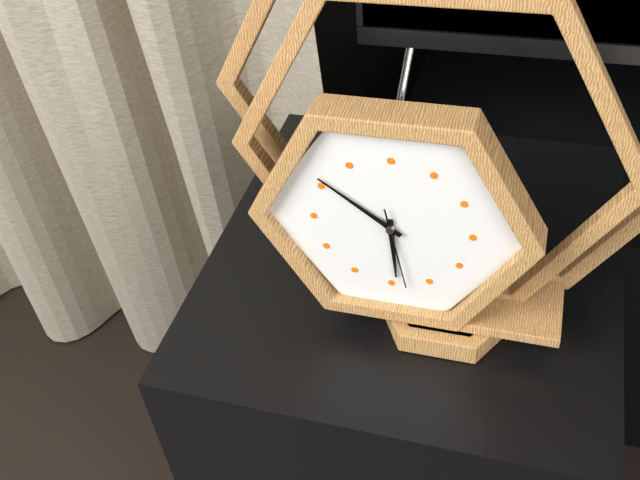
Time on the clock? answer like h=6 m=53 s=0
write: h=5 m=51 s=28
